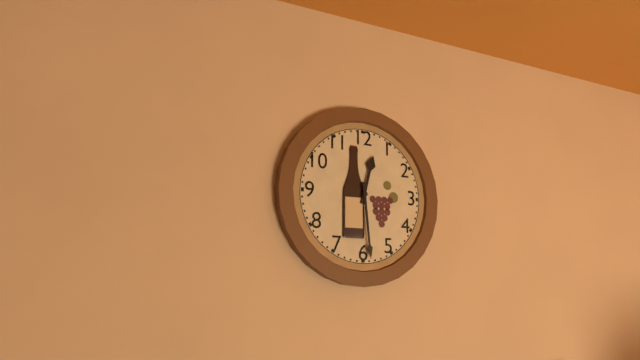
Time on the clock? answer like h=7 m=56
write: h=12 m=29
